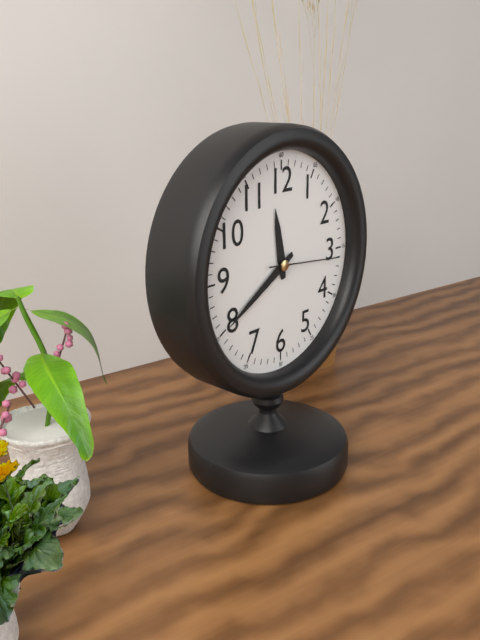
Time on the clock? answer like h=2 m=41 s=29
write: h=11 m=40 s=16
